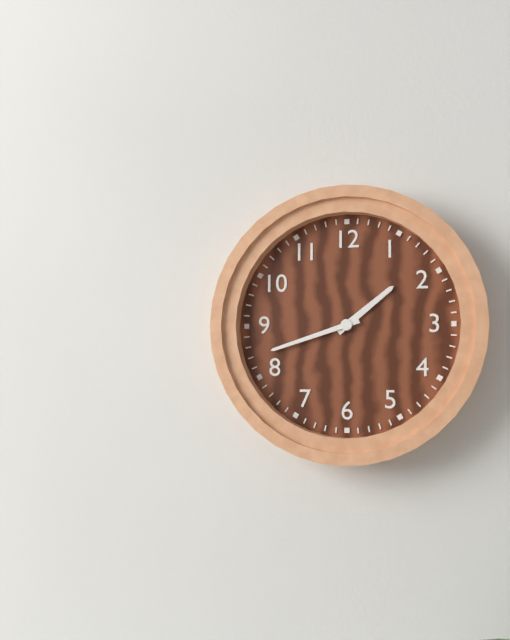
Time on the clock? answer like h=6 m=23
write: h=1 m=42
